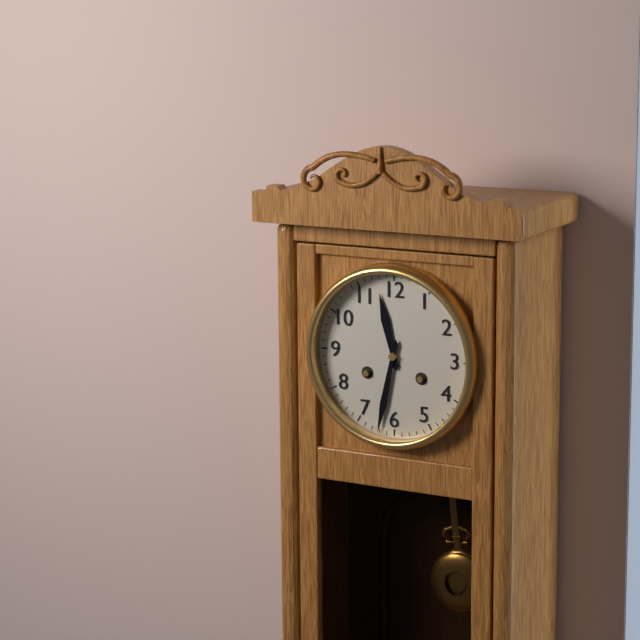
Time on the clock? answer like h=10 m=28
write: h=11 m=32
